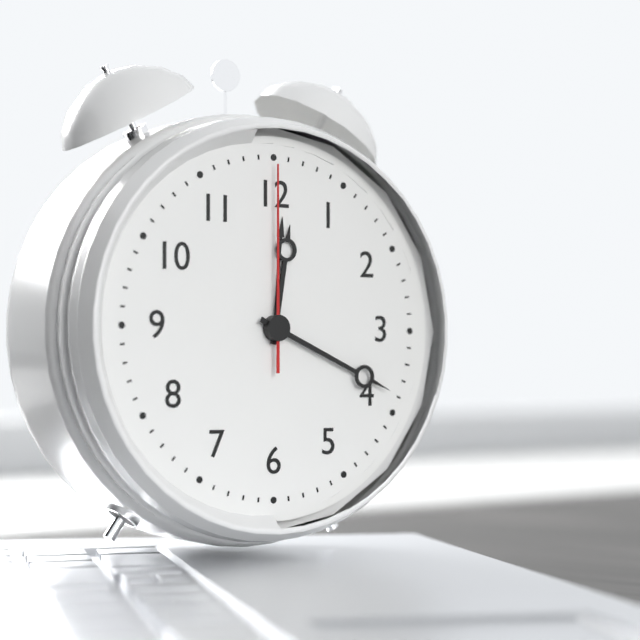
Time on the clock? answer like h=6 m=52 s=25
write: h=12 m=19 s=0
